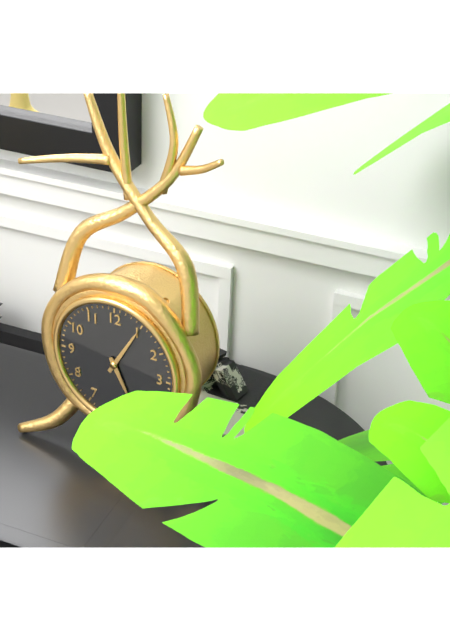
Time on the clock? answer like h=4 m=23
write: h=5 m=5
